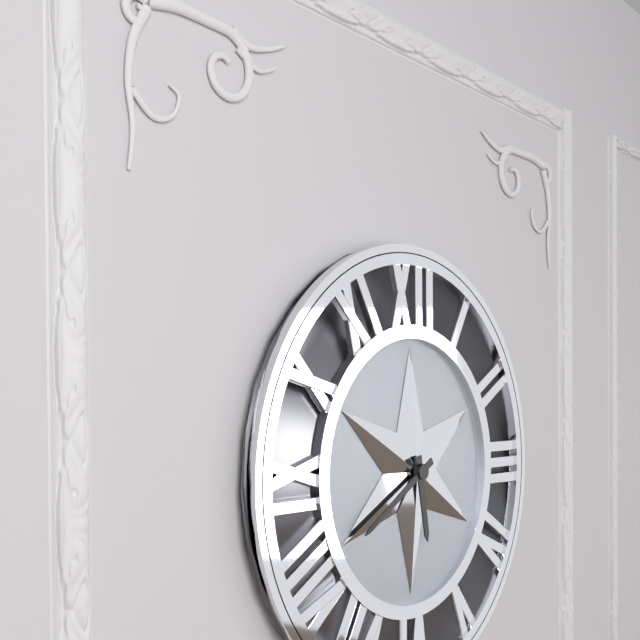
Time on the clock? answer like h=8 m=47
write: h=5 m=40
